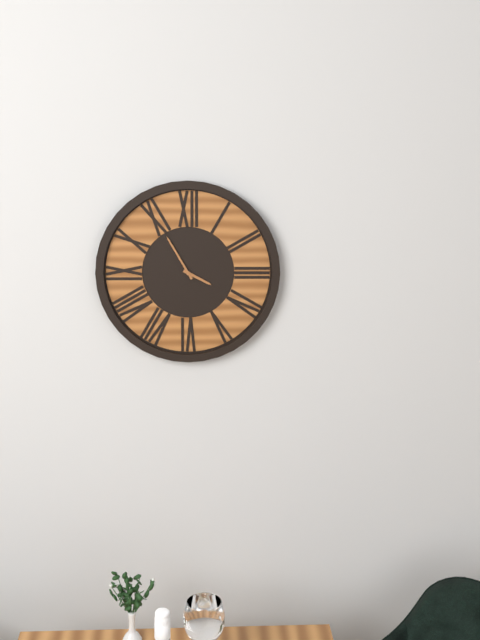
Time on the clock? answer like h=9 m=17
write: h=3 m=55
